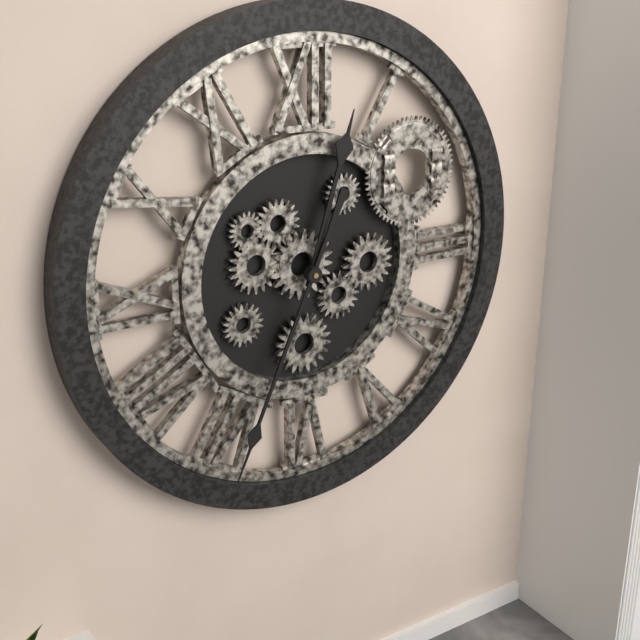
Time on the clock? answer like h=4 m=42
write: h=12 m=34
